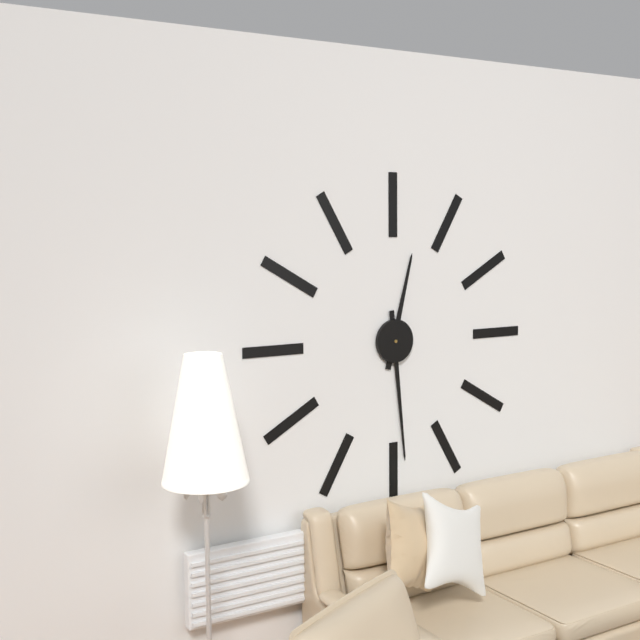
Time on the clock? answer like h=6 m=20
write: h=12 m=29
